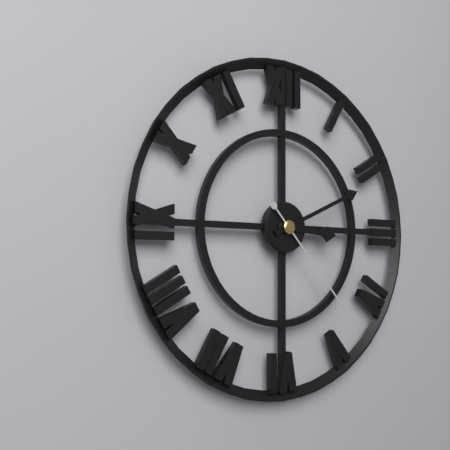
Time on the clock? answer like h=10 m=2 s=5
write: h=3 m=11 s=23
